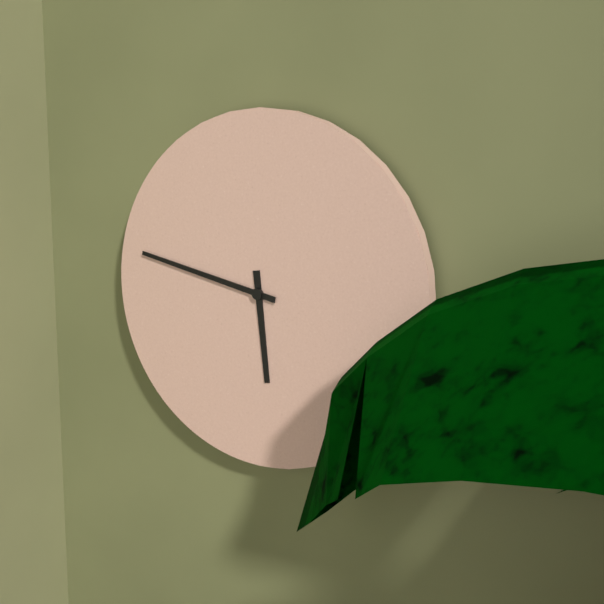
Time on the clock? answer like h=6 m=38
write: h=5 m=47
